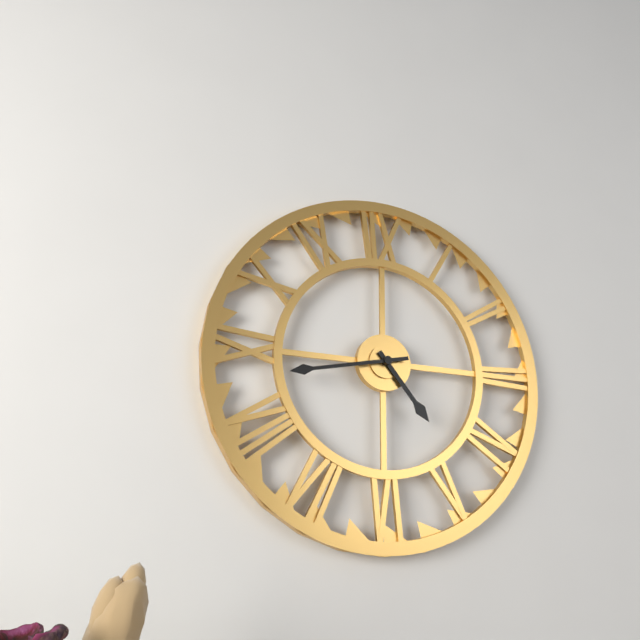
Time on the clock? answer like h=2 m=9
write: h=4 m=43
